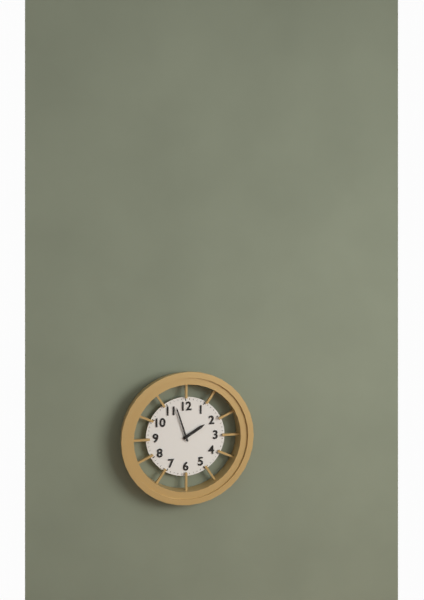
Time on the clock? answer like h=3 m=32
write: h=1 m=57
